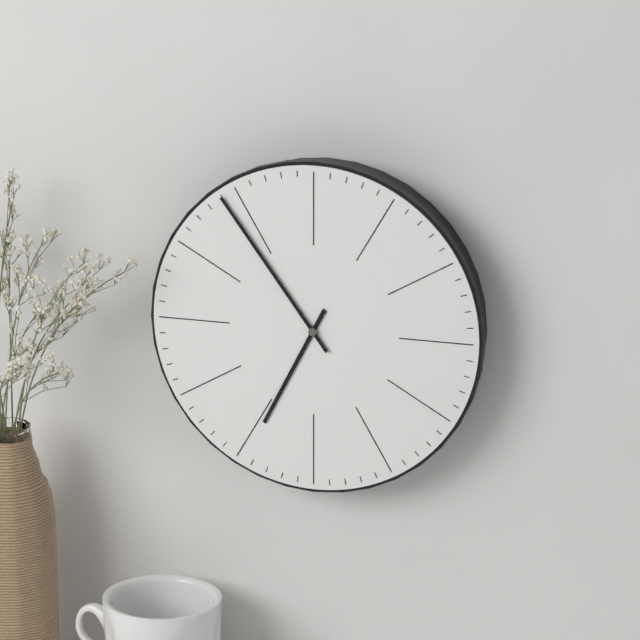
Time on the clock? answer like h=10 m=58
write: h=6 m=54
